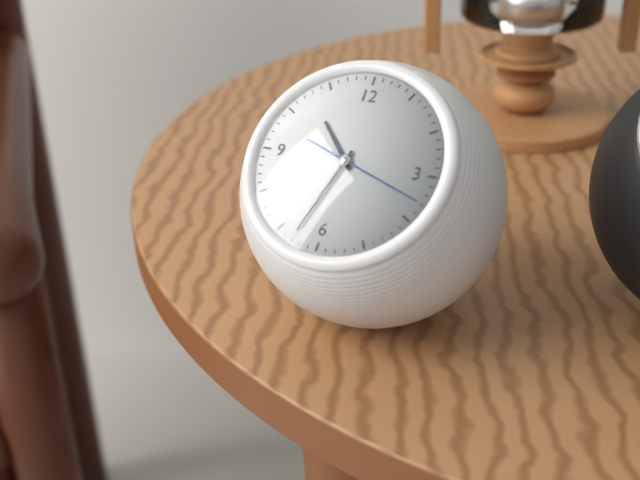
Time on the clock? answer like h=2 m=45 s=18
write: h=10 m=33 s=18
